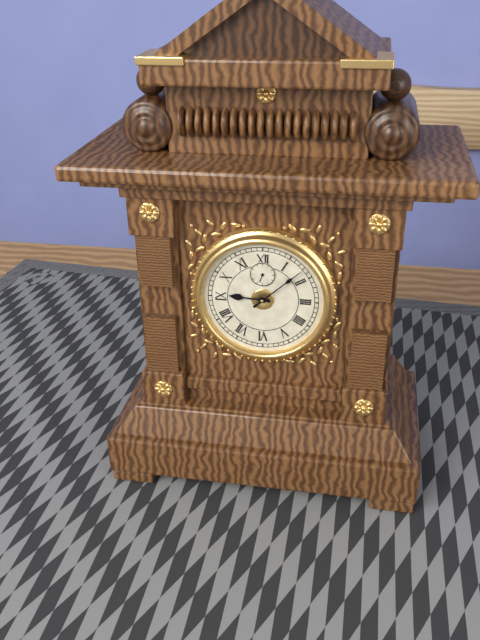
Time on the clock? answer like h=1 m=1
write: h=9 m=8
